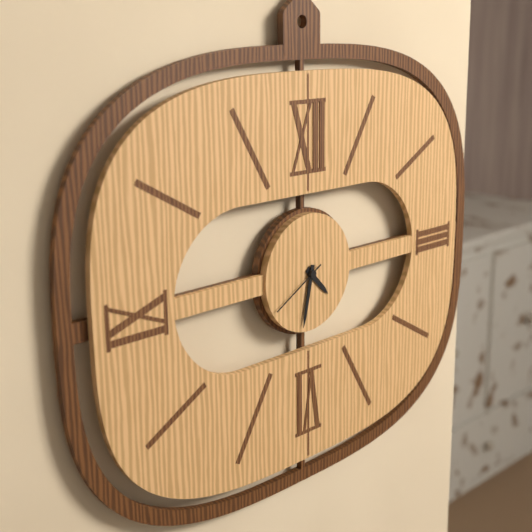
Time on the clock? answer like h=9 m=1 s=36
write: h=4 m=32 s=40
